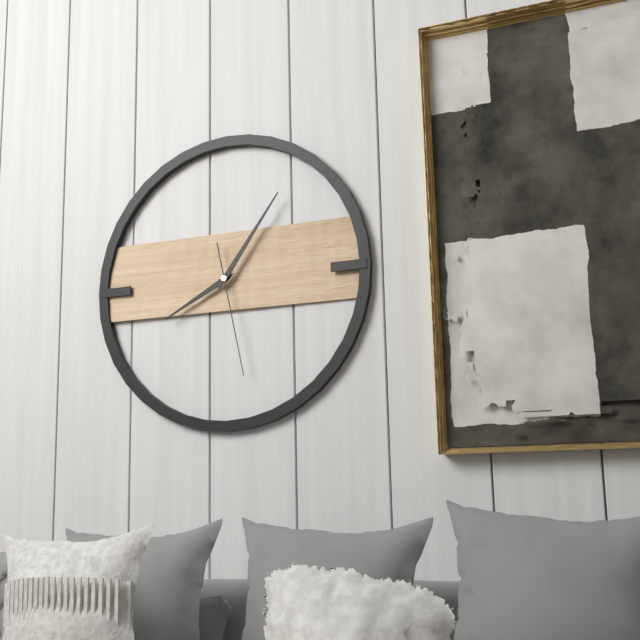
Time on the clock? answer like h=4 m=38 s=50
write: h=8 m=6 s=28
